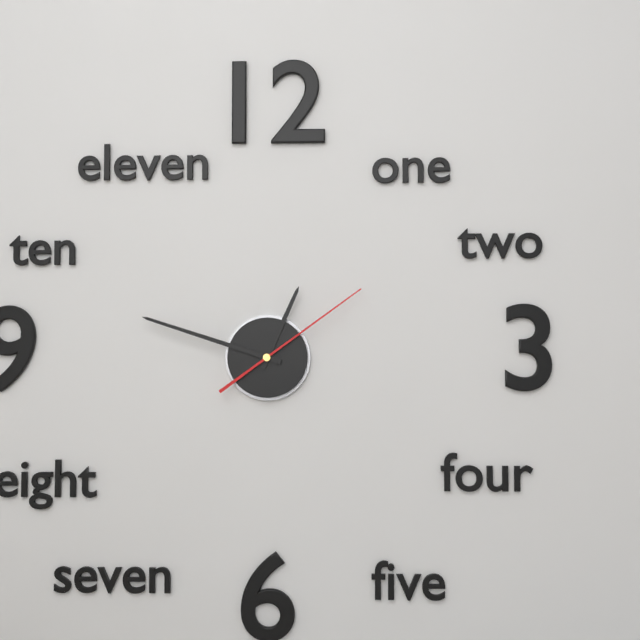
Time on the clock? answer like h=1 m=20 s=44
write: h=12 m=48 s=9
